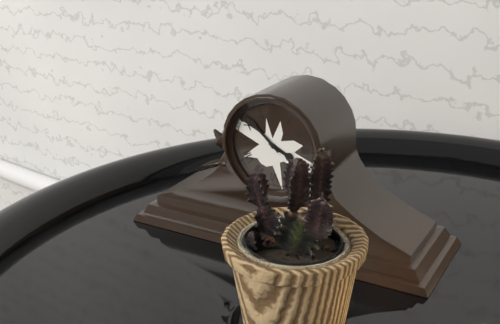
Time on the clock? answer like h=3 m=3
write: h=3 m=52
